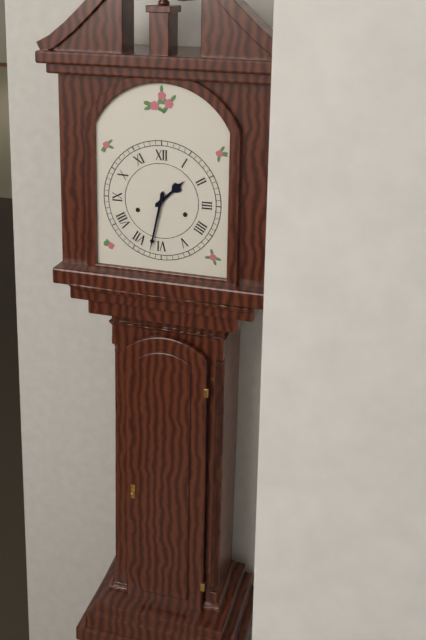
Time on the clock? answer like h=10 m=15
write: h=1 m=32
